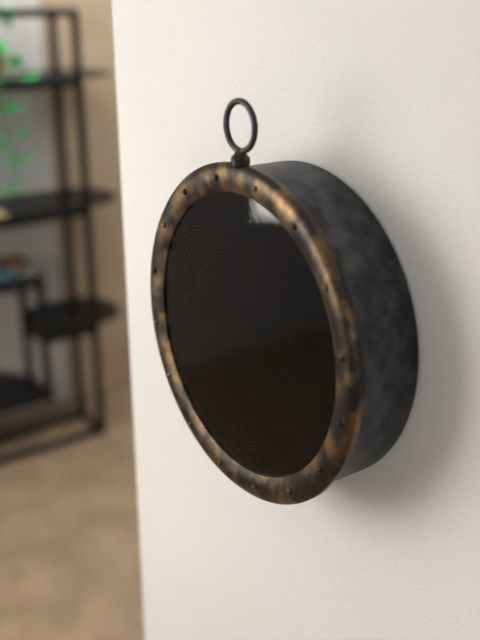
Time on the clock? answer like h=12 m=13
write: h=4 m=37
